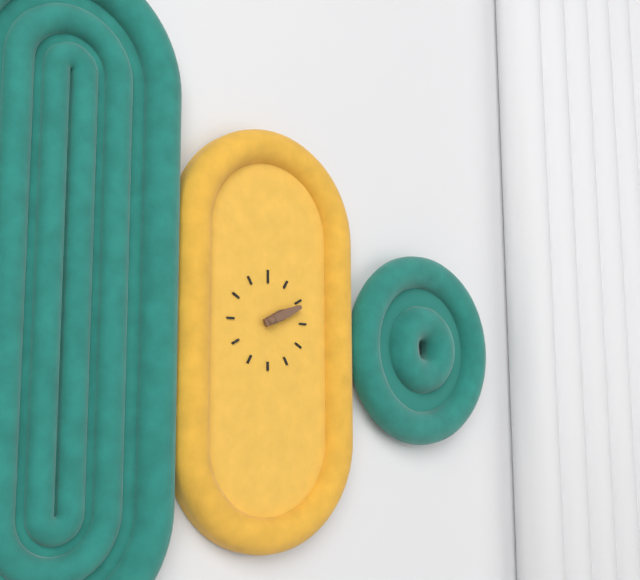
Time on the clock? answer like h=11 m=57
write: h=2 m=11
